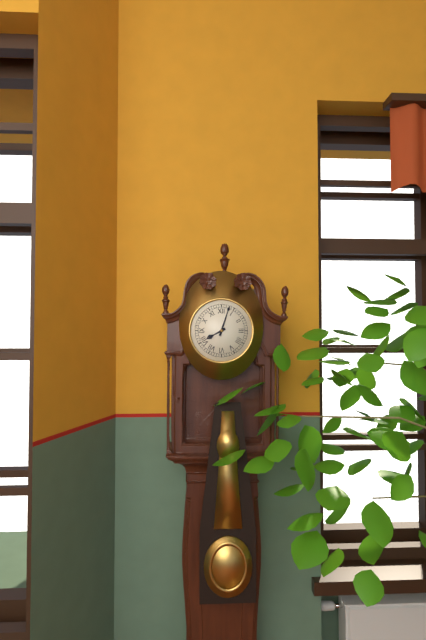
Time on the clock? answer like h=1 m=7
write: h=8 m=3
